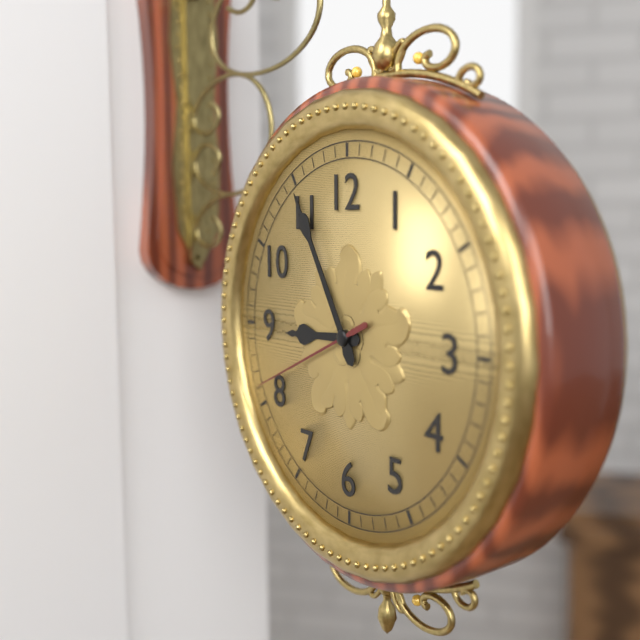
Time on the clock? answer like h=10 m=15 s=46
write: h=8 m=55 s=41
